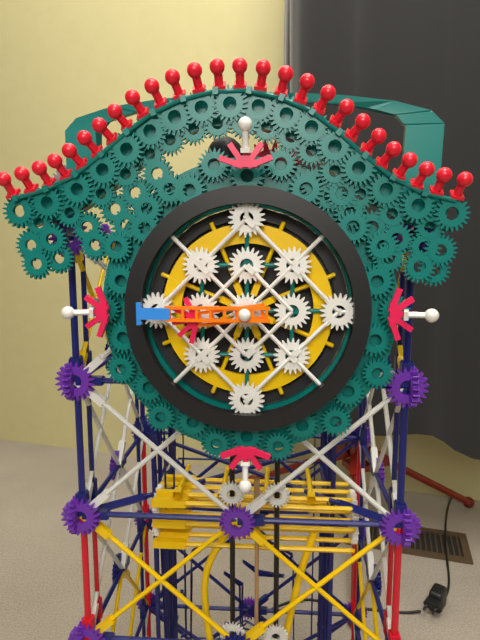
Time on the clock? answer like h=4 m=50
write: h=8 m=45
